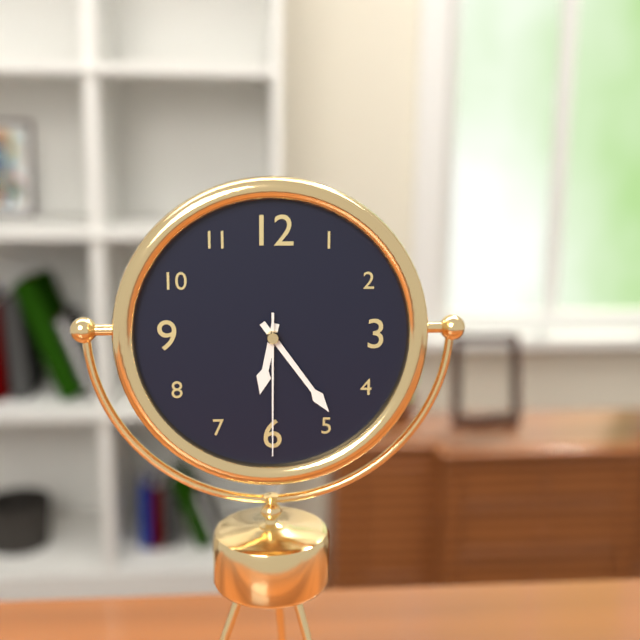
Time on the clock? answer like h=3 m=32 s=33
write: h=6 m=24 s=30
